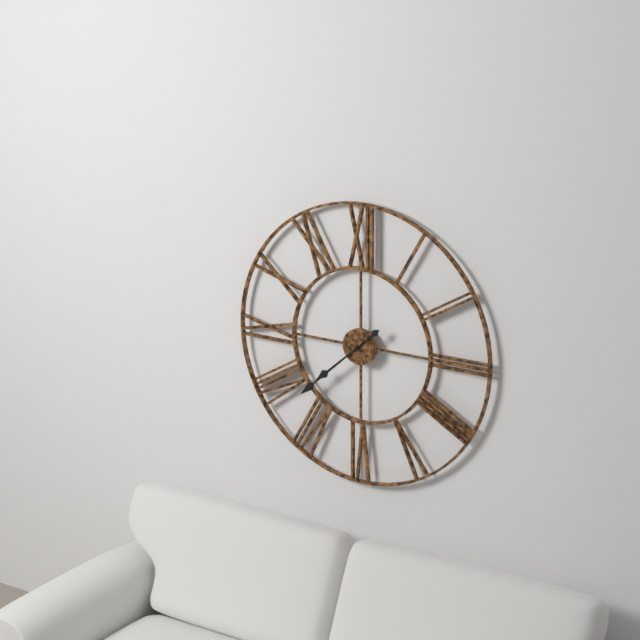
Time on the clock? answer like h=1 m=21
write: h=7 m=38
